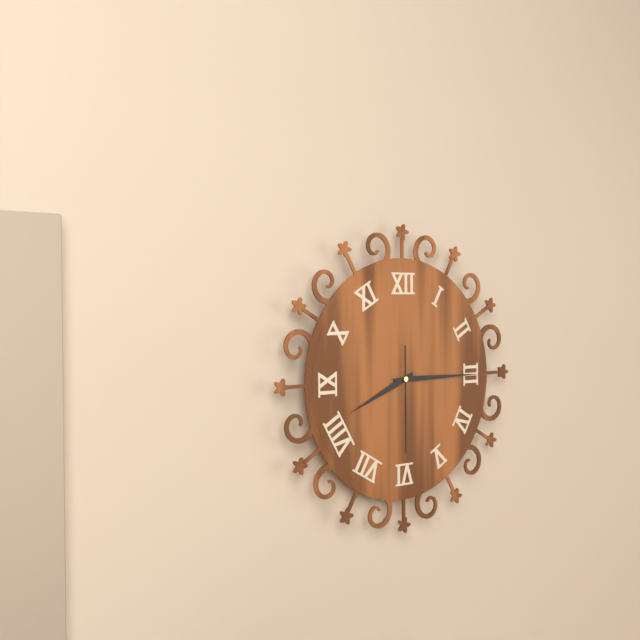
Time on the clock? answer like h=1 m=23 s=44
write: h=8 m=15 s=30
